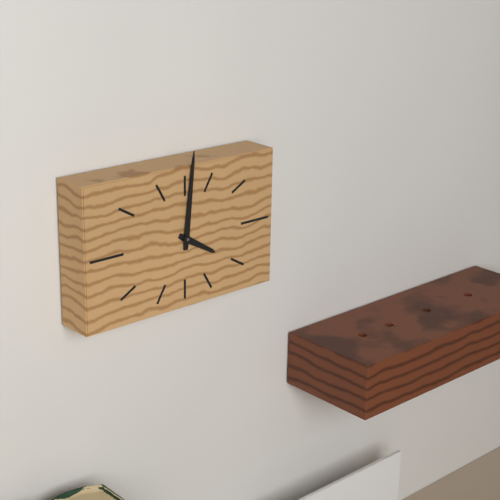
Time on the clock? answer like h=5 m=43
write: h=4 m=1
